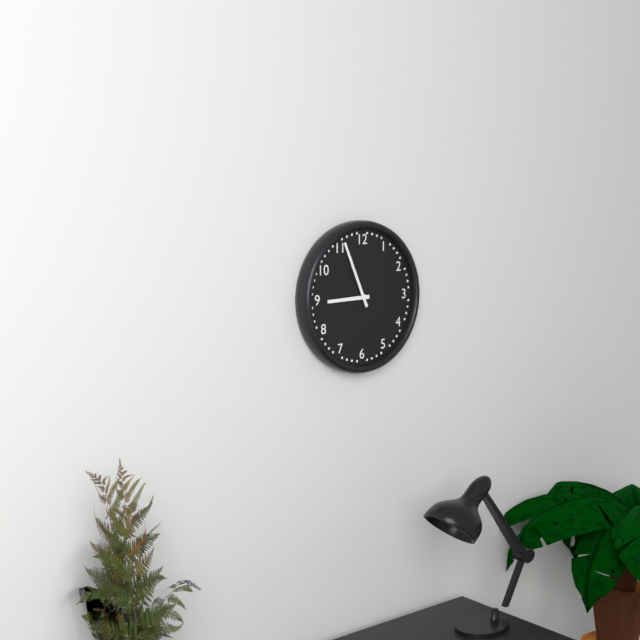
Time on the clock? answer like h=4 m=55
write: h=8 m=56
